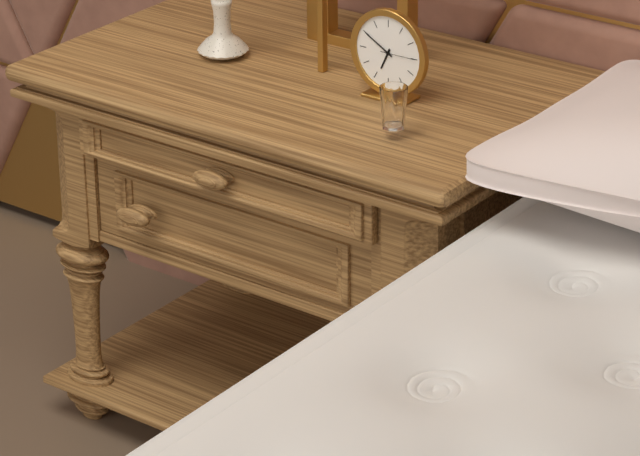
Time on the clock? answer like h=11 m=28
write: h=6 m=50
